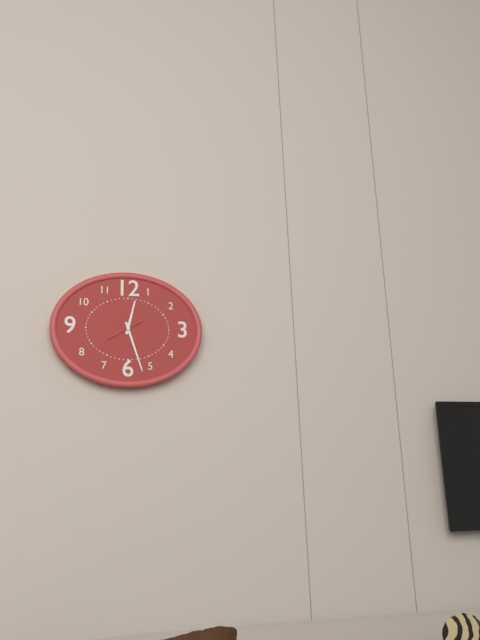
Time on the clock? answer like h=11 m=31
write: h=12 m=27
